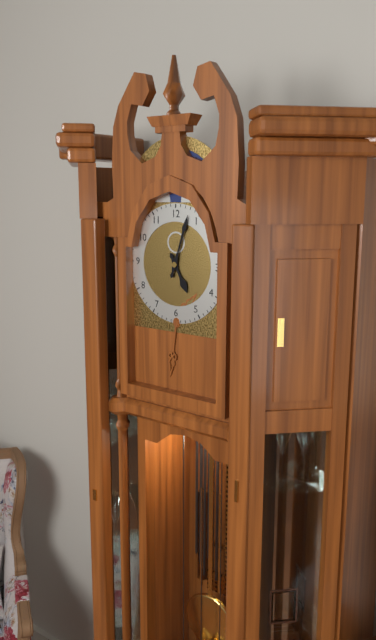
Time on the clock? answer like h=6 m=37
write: h=5 m=3
